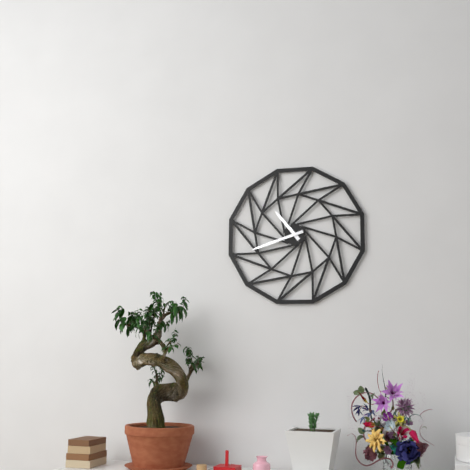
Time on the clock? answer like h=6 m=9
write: h=10 m=42
